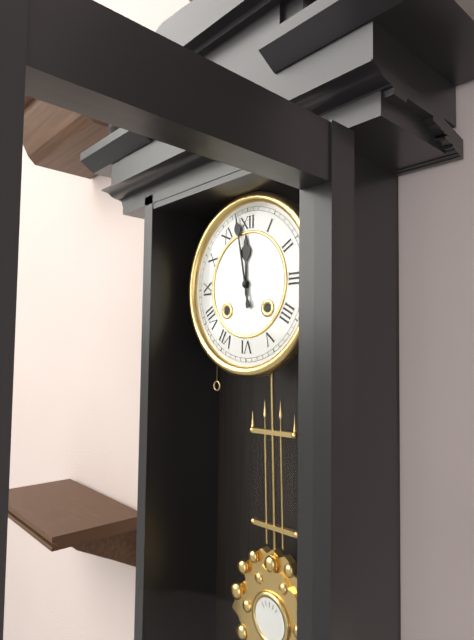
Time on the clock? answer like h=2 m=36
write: h=11 m=58
